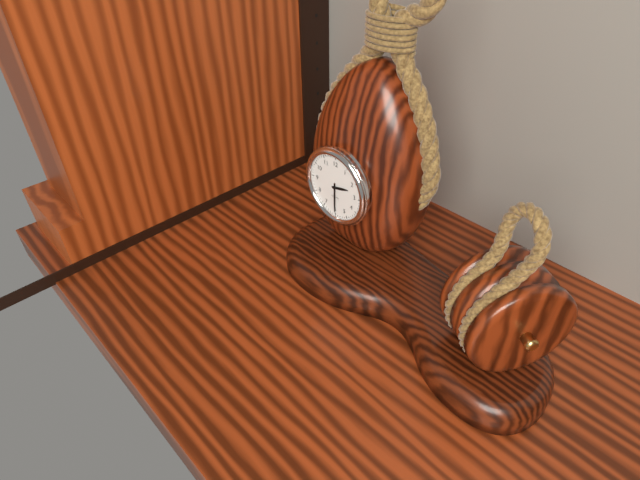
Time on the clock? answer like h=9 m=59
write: h=2 m=30
